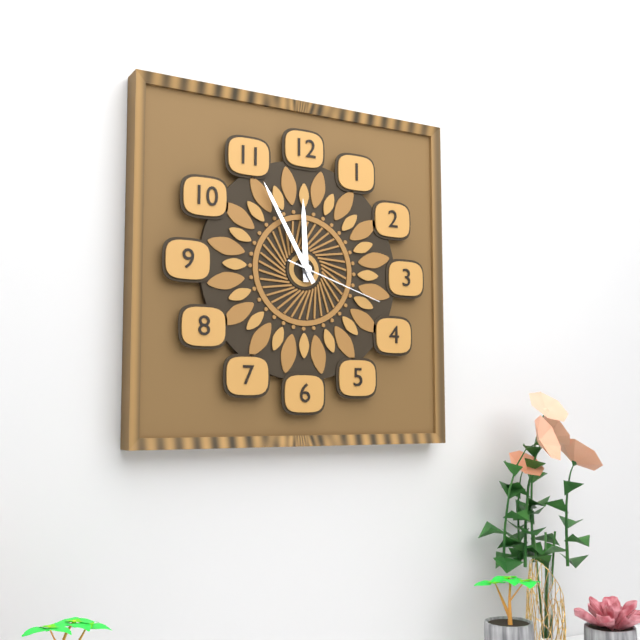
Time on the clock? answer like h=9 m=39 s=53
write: h=11 m=55 s=18
